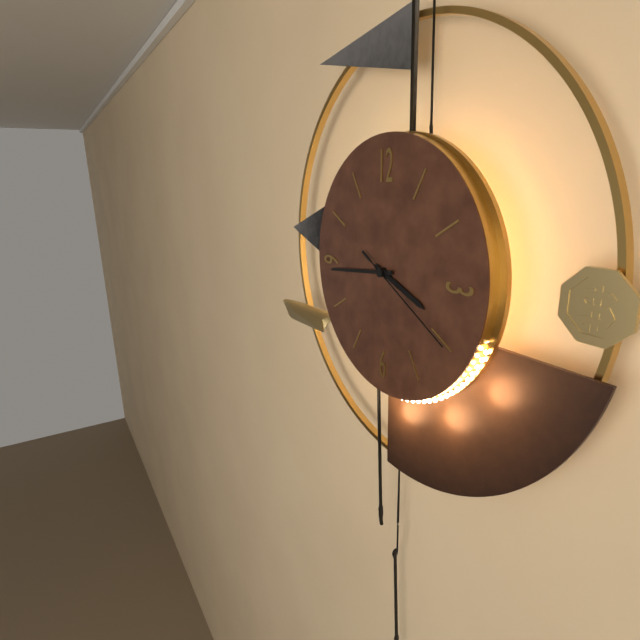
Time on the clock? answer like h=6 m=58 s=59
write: h=3 m=44 s=20
